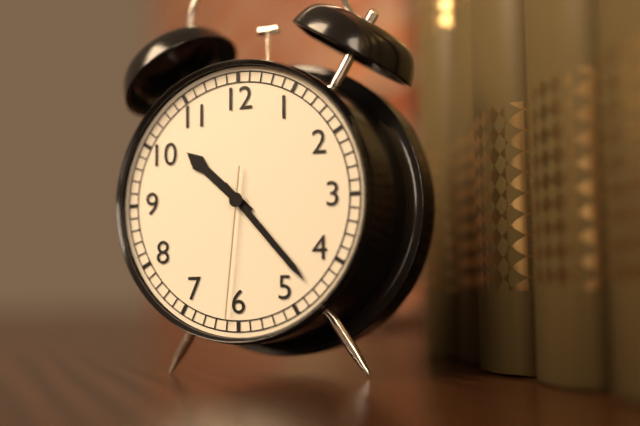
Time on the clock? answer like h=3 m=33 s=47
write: h=10 m=23 s=31
